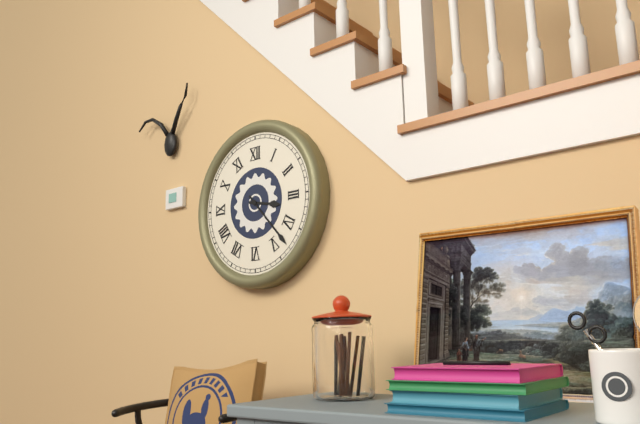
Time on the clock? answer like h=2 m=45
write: h=3 m=23
